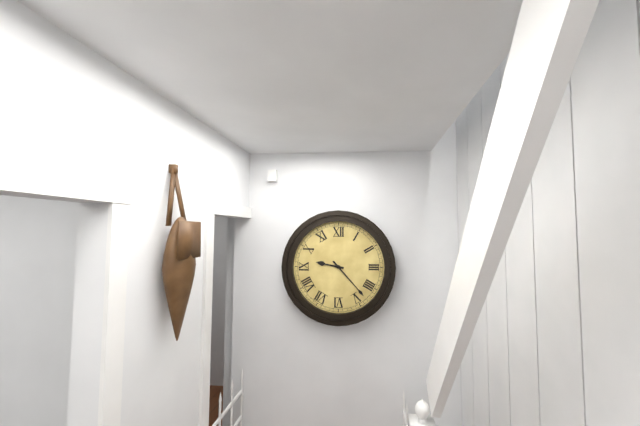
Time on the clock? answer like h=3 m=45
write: h=9 m=23
